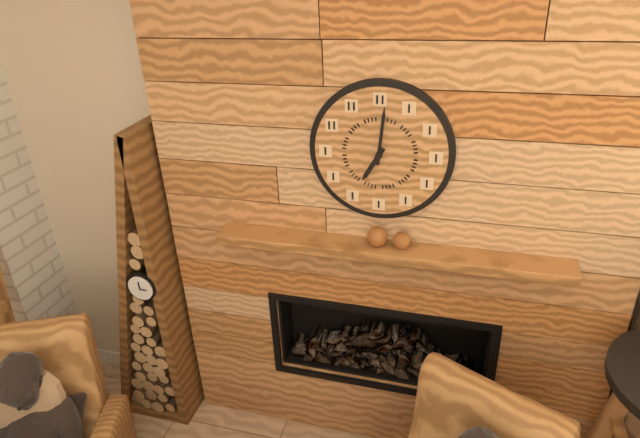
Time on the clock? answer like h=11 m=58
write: h=7 m=1
